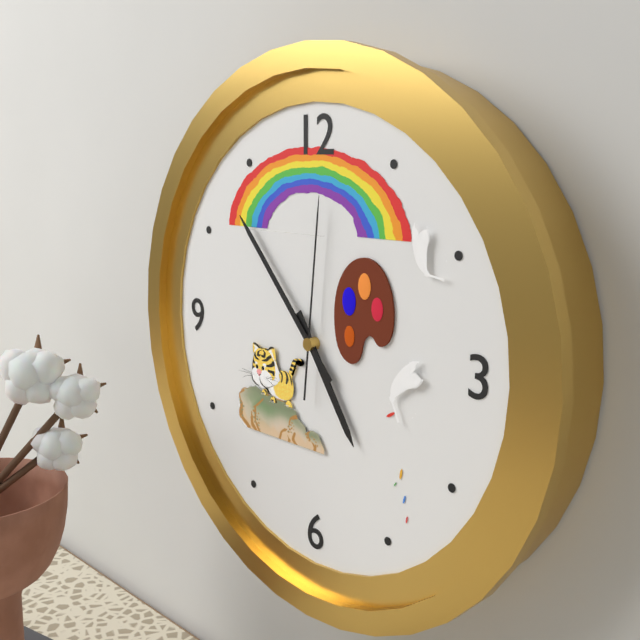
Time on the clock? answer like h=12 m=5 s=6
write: h=4 m=53 s=1
